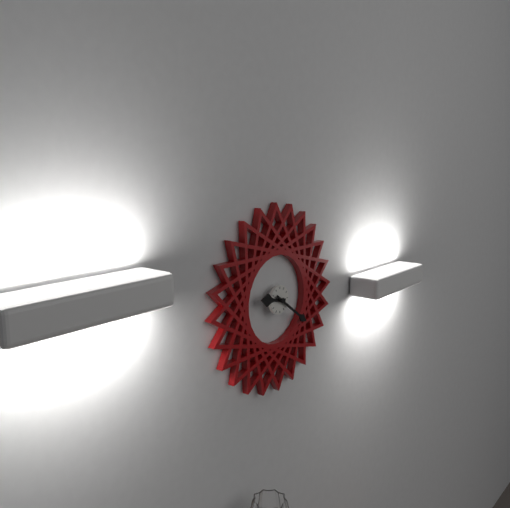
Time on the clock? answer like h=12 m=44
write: h=9 m=21
